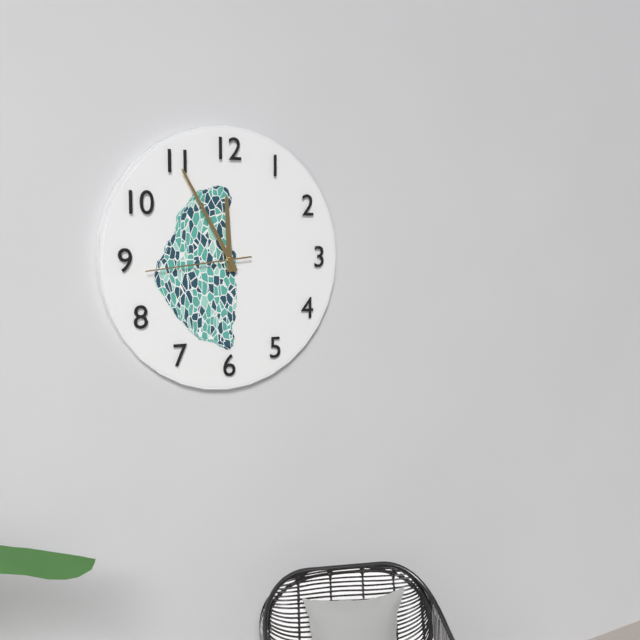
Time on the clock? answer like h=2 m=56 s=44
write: h=11 m=55 s=44
